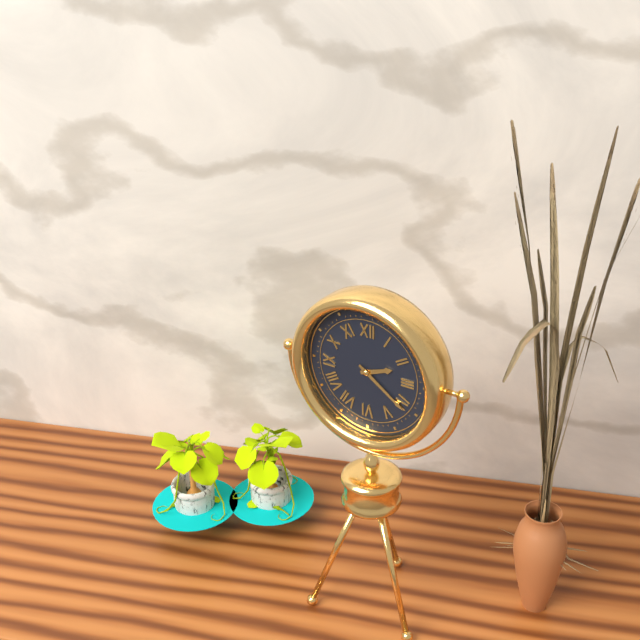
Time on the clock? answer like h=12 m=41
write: h=2 m=21
